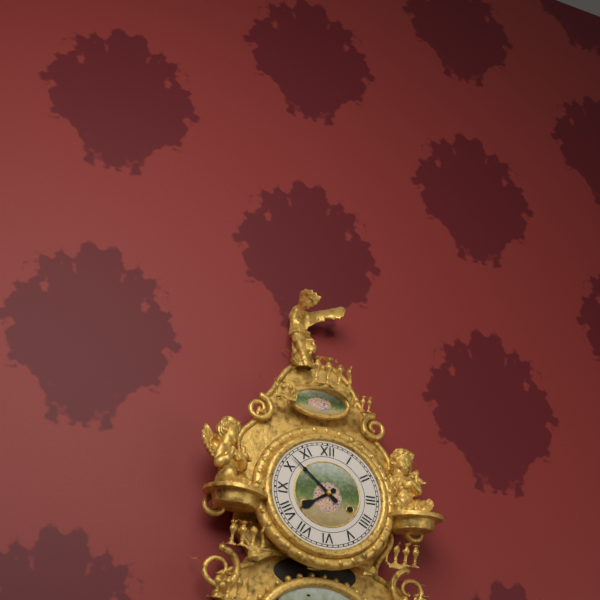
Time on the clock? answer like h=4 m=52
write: h=7 m=52
